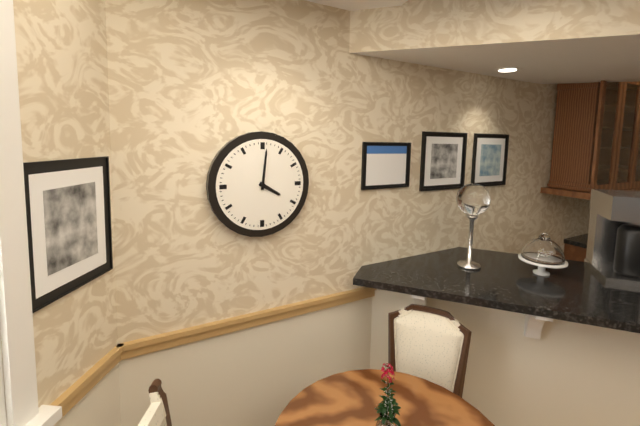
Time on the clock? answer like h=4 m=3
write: h=4 m=1
